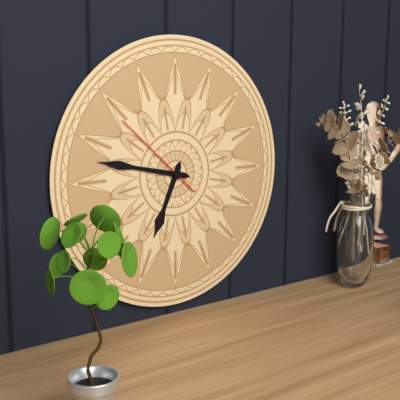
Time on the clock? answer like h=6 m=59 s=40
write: h=6 m=47 s=52
